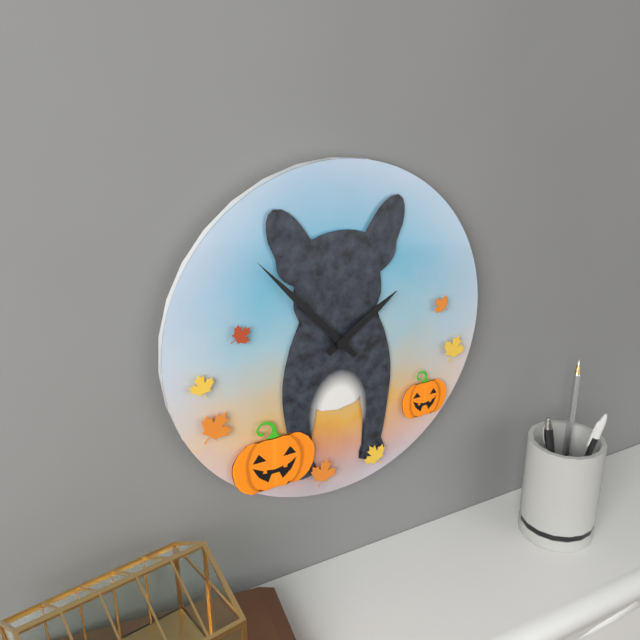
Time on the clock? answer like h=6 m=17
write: h=1 m=53
